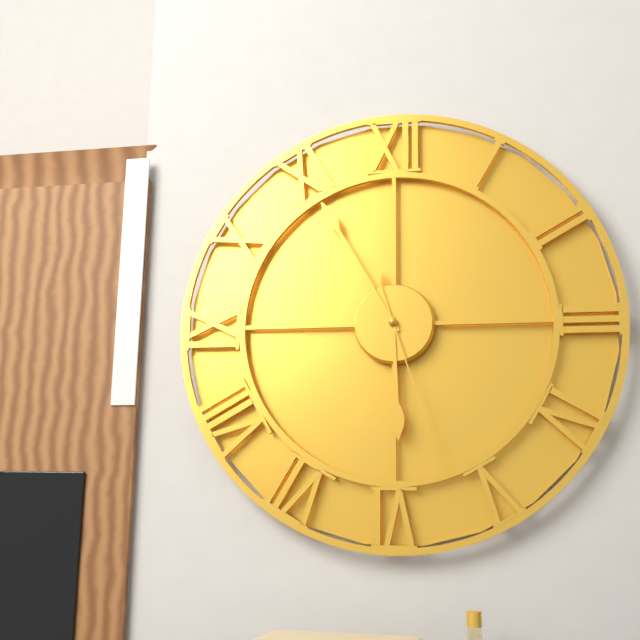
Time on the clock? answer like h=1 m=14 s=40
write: h=5 m=55 s=27
